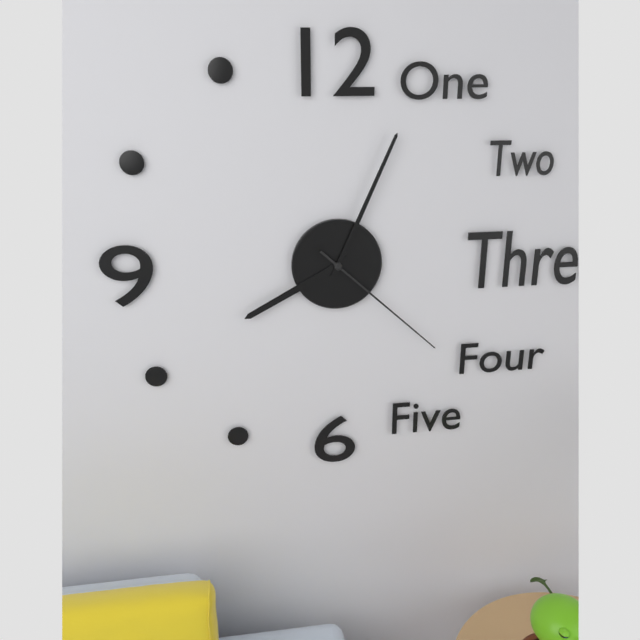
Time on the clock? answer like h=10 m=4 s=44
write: h=8 m=4 s=22
